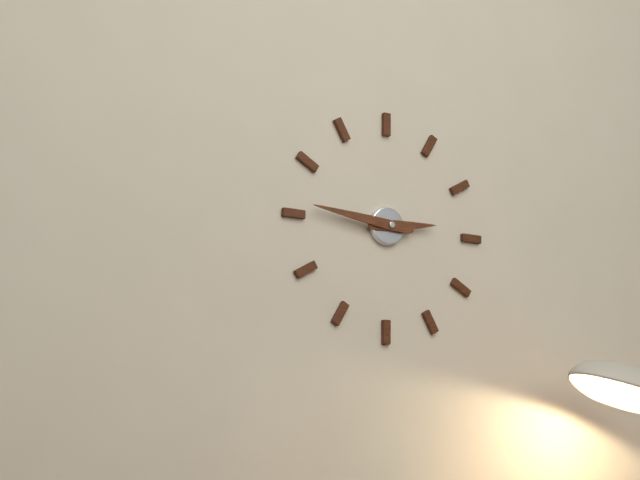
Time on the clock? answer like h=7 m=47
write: h=2 m=46
